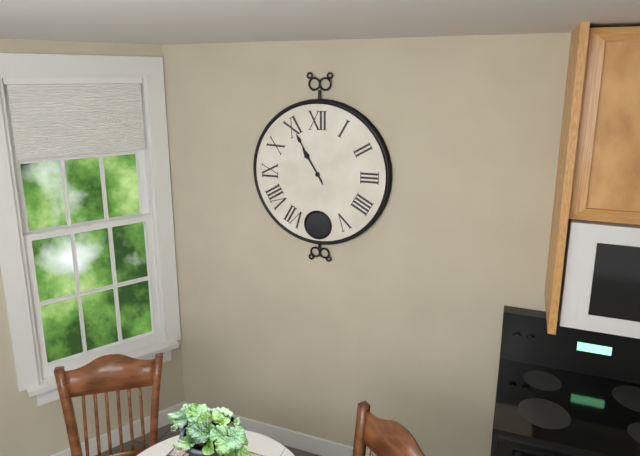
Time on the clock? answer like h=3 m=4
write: h=10 m=55
